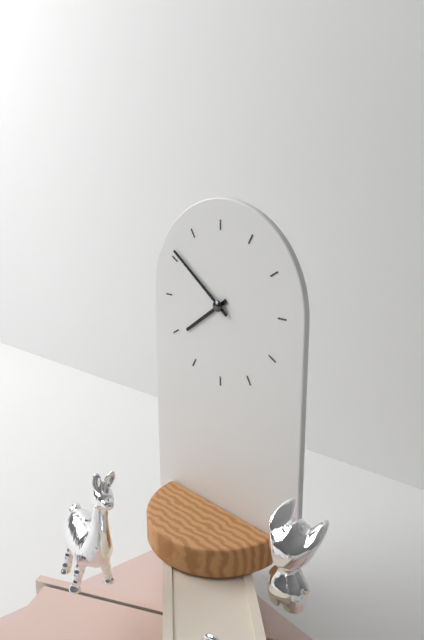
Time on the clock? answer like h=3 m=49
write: h=7 m=51
